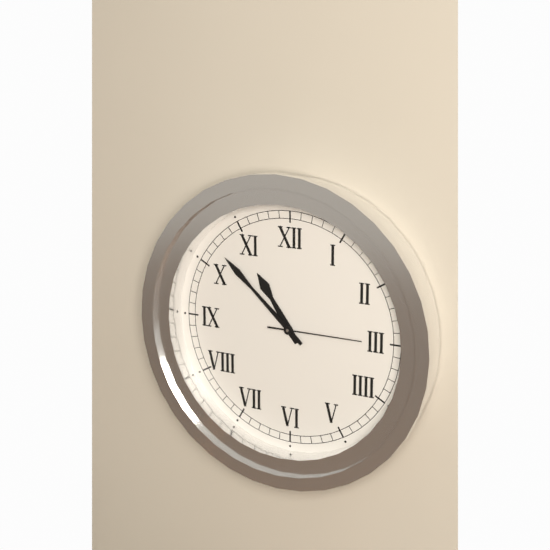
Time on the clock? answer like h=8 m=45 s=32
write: h=10 m=52 s=15
